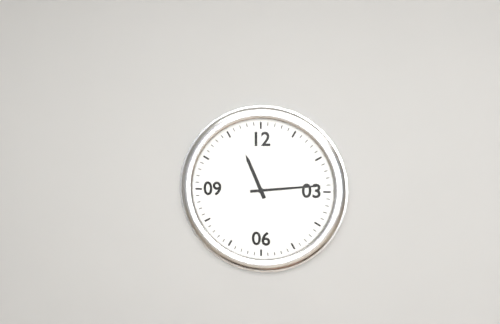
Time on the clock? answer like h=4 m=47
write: h=11 m=14
